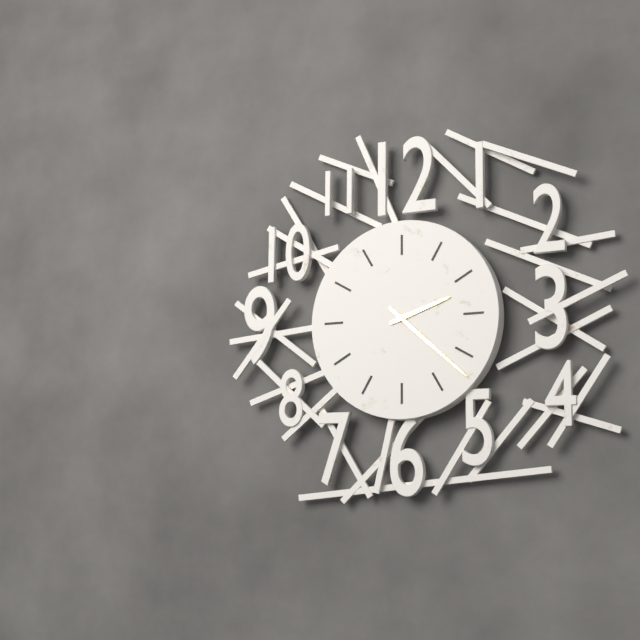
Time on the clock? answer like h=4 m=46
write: h=2 m=22
